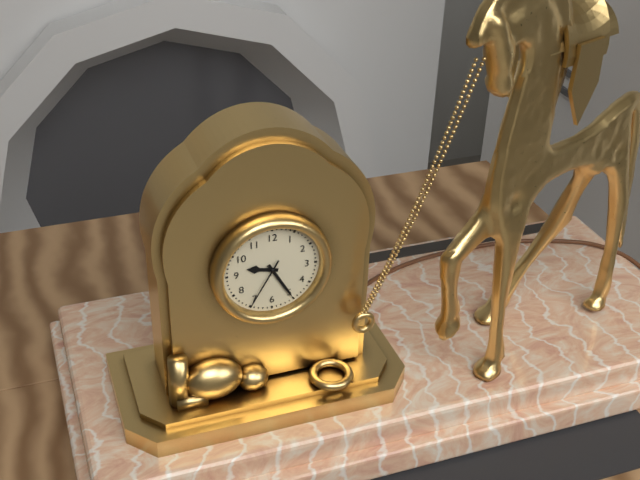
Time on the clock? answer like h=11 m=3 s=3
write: h=9 m=25 s=35
